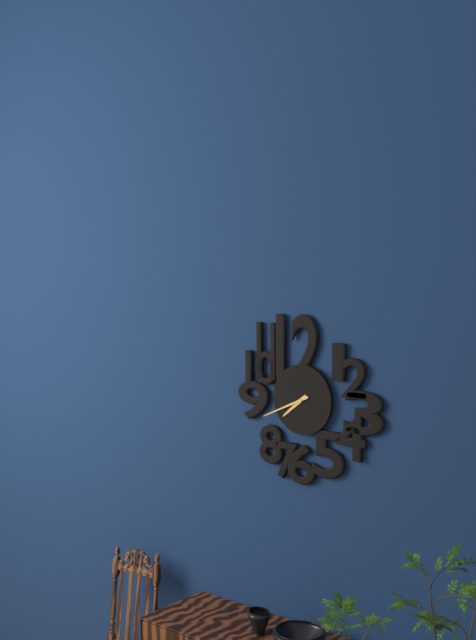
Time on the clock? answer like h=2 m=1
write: h=7 m=41
